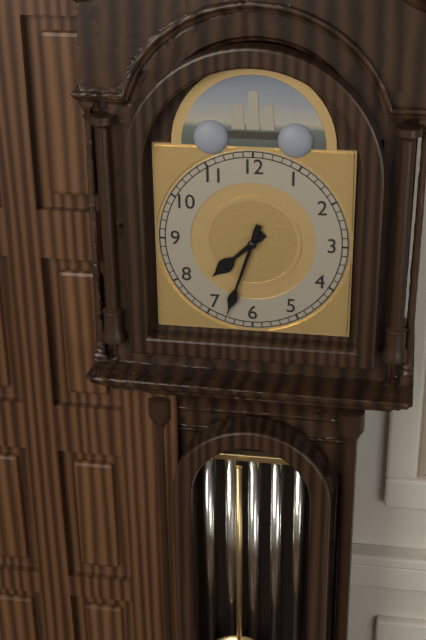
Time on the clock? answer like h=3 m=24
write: h=7 m=33
